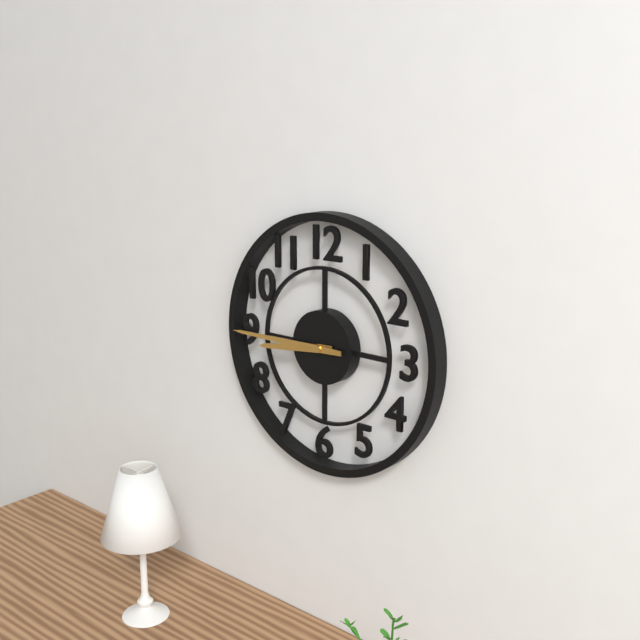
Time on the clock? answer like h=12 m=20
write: h=8 m=45
